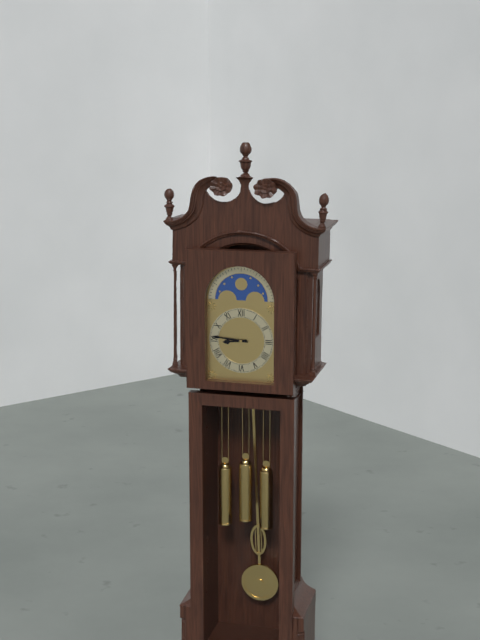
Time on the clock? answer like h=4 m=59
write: h=8 m=46
